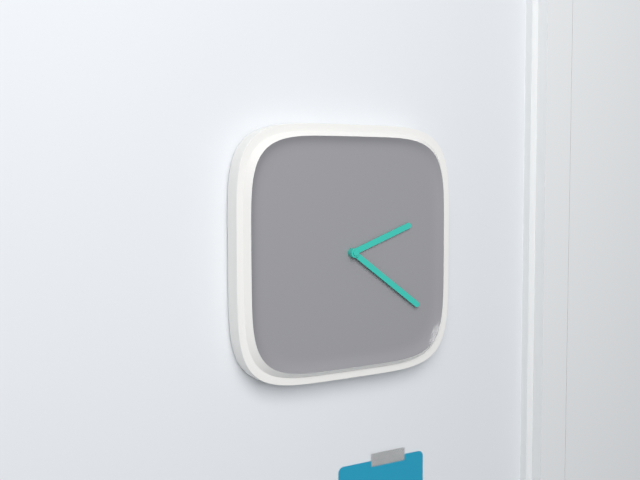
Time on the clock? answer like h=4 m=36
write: h=2 m=21
